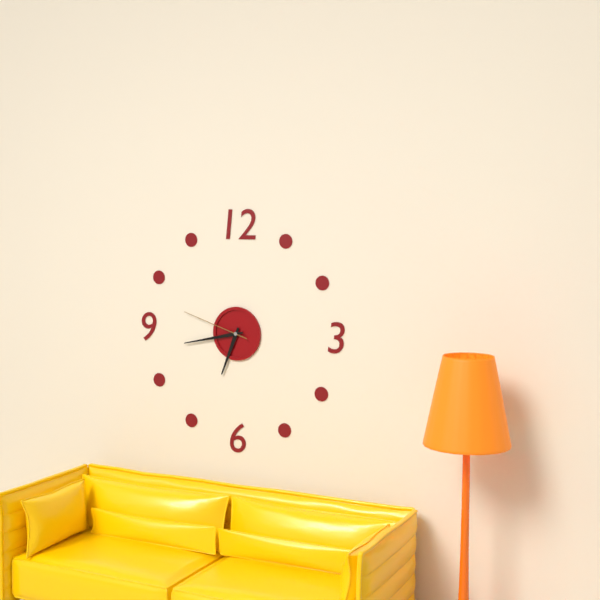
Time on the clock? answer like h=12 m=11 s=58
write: h=6 m=43 s=48
